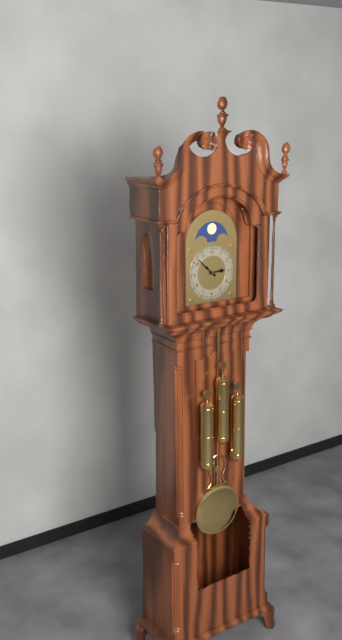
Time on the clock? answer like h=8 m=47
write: h=2 m=52
